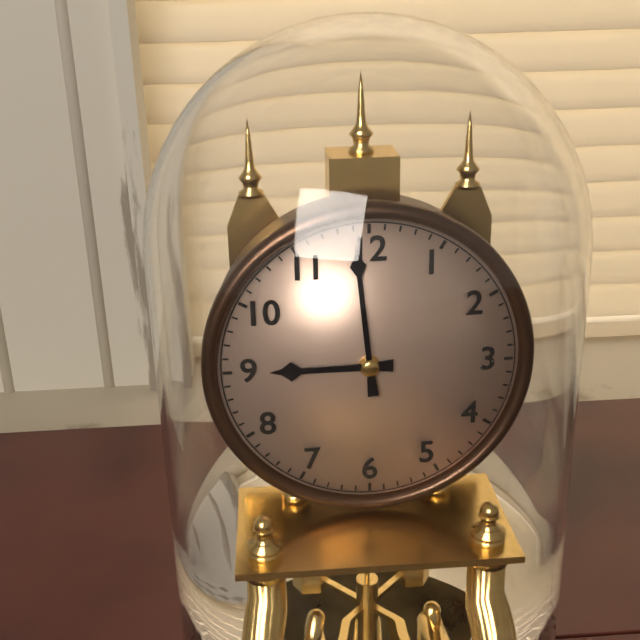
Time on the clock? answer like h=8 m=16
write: h=8 m=59
